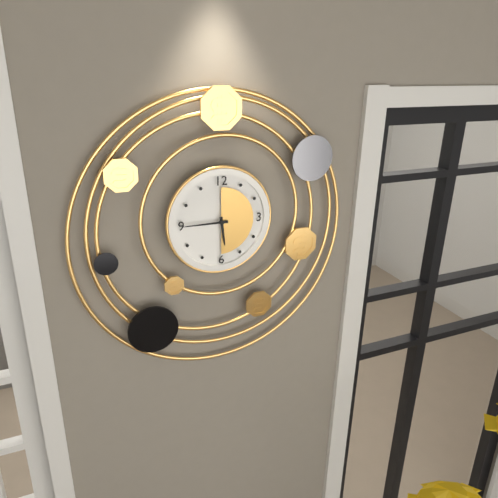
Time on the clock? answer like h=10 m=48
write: h=5 m=45
